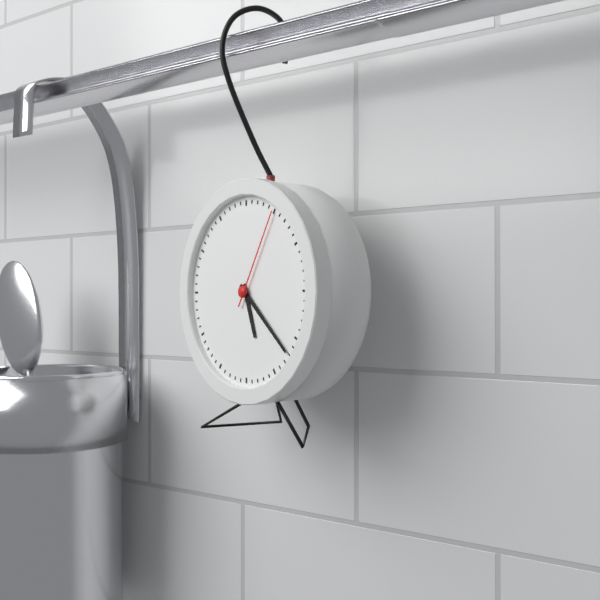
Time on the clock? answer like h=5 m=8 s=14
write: h=5 m=22 s=5
